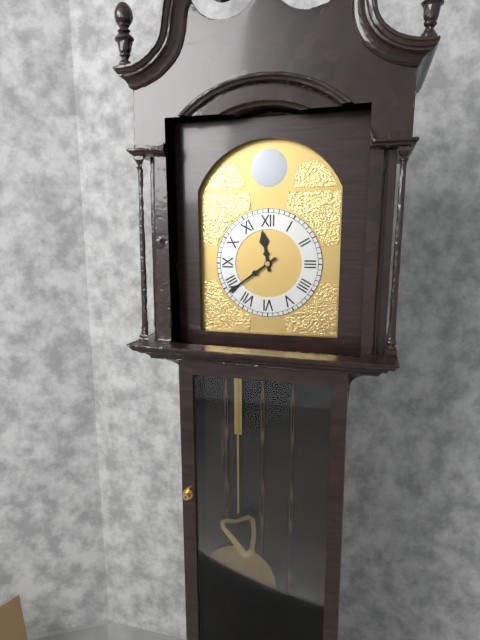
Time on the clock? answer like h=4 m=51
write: h=11 m=39
